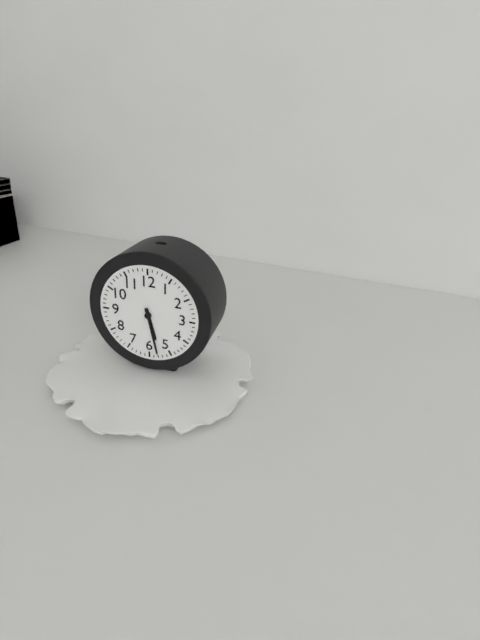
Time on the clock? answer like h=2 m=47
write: h=5 m=28
